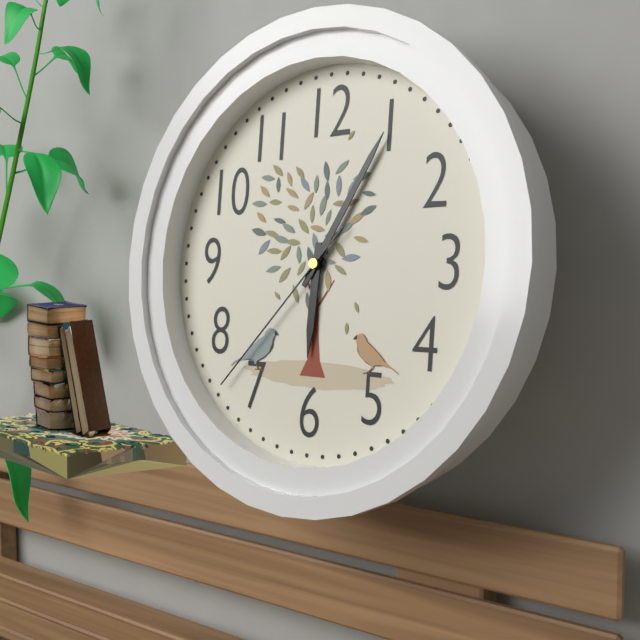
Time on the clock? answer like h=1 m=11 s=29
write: h=6 m=5 s=37
